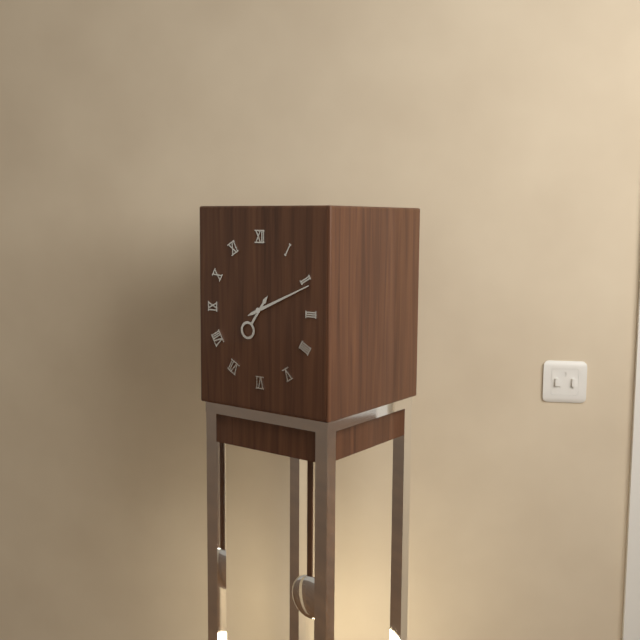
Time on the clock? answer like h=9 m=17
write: h=7 m=11
